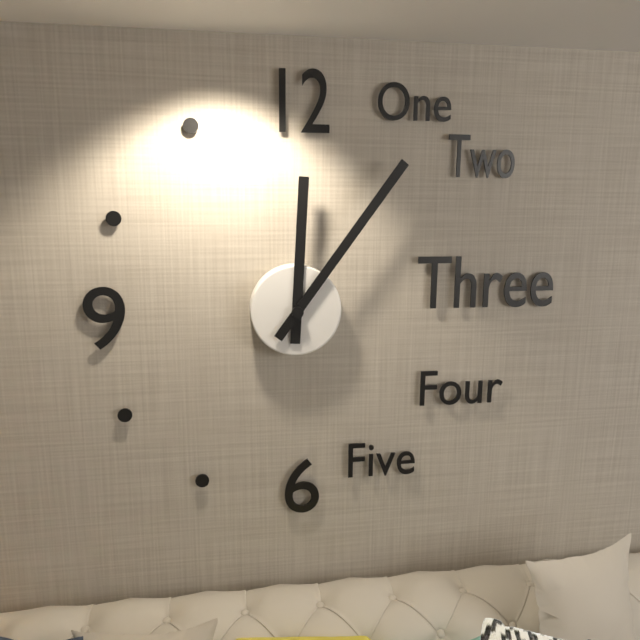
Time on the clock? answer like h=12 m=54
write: h=12 m=6
